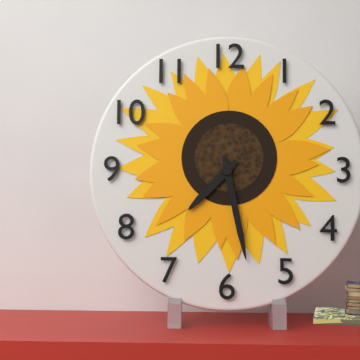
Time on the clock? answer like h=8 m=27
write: h=7 m=28
